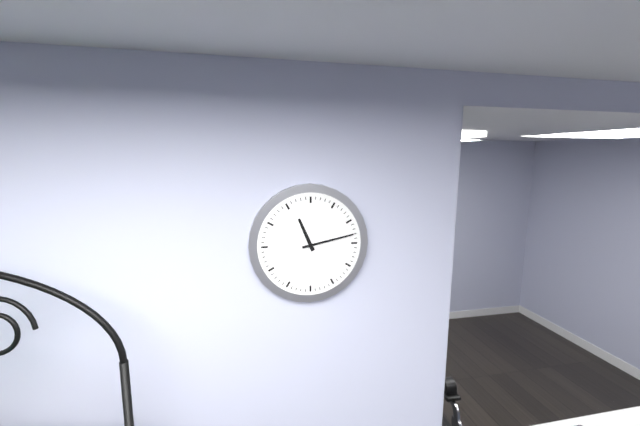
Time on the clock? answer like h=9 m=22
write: h=11 m=13
